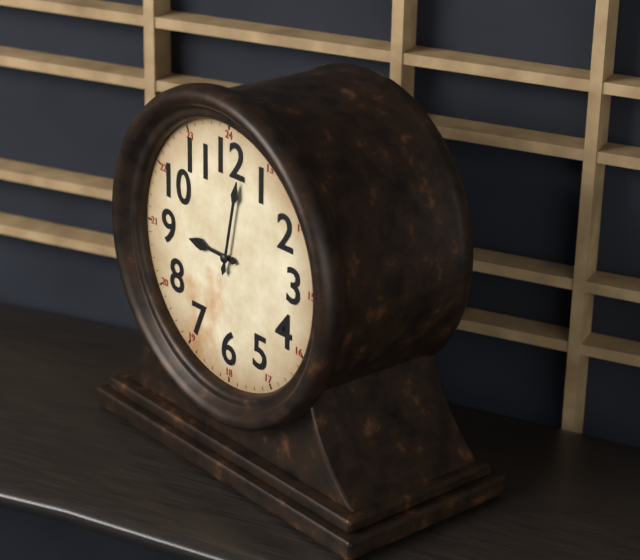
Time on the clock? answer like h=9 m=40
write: h=9 m=2
